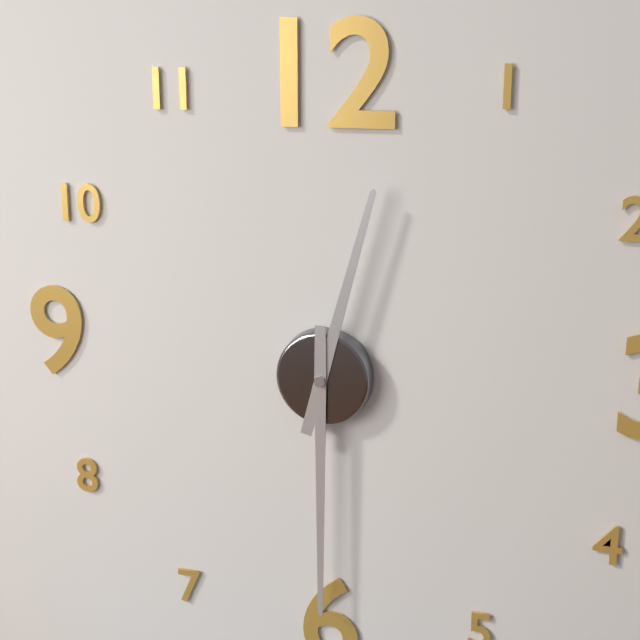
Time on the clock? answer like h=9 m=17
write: h=12 m=30
